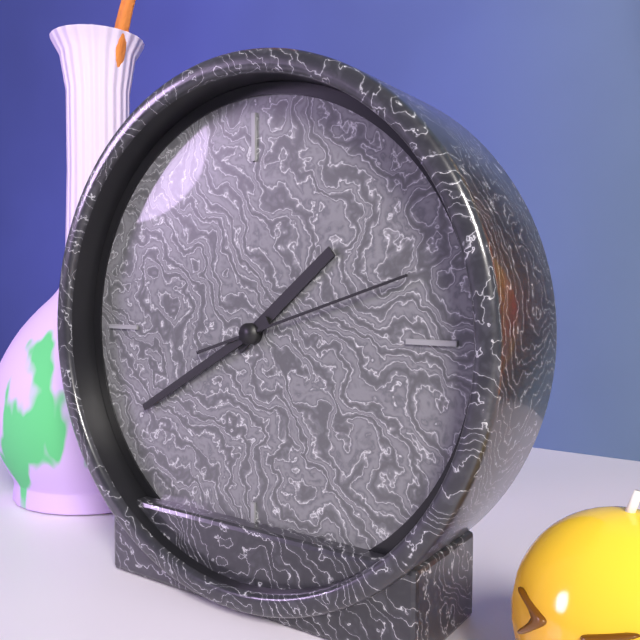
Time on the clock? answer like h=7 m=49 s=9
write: h=1 m=40 s=12
